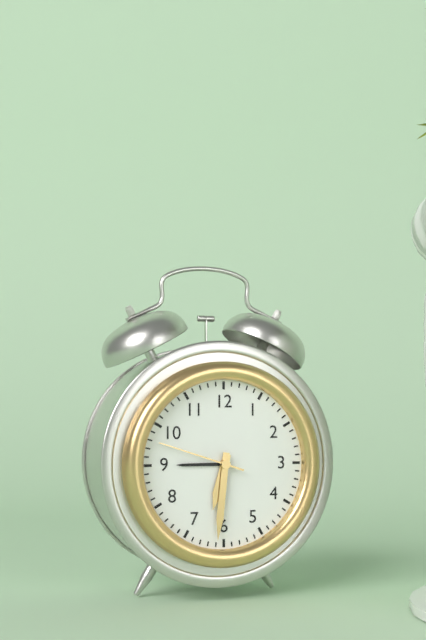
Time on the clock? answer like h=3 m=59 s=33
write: h=6 m=31 s=48
